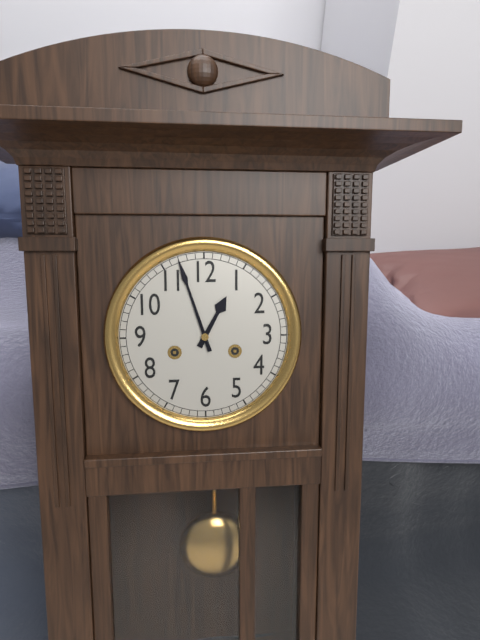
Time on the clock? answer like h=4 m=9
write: h=12 m=57
